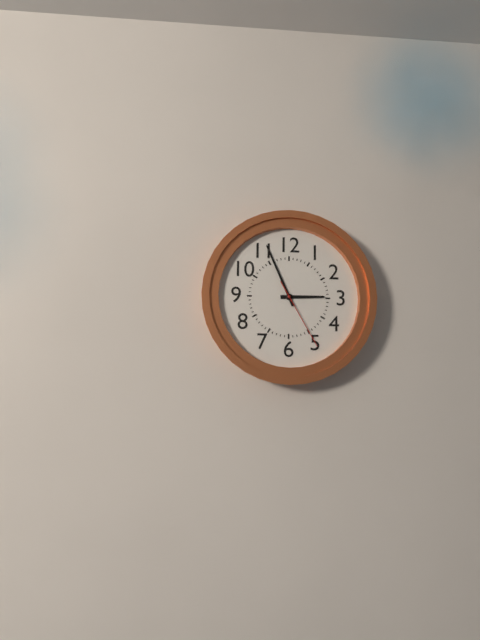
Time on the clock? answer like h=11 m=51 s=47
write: h=2 m=56 s=25
